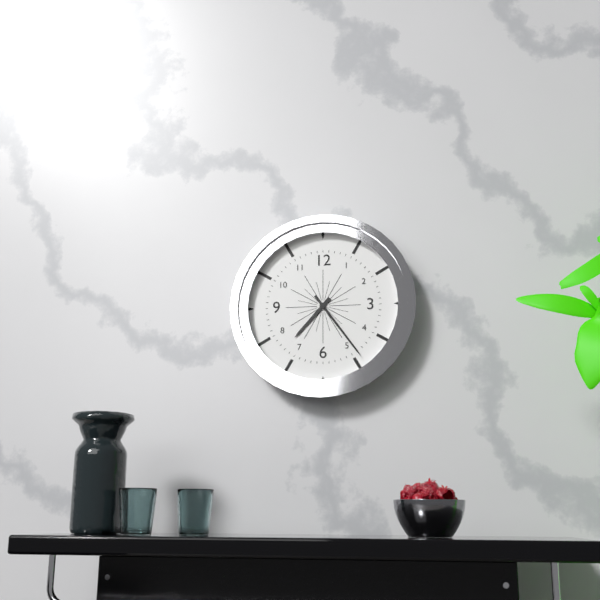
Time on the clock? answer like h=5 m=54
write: h=7 m=24
